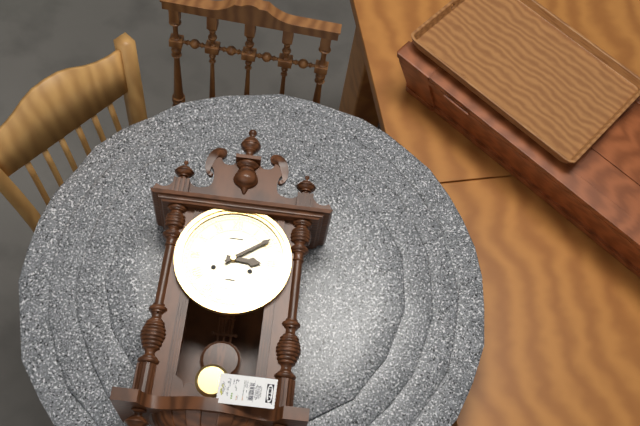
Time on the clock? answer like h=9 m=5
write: h=3 m=9
